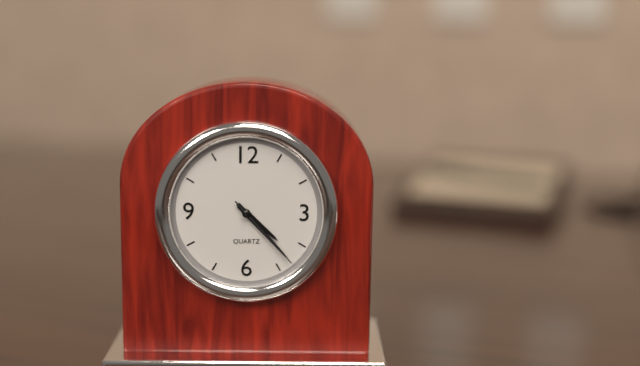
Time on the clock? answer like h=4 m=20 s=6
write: h=4 m=23 s=23
